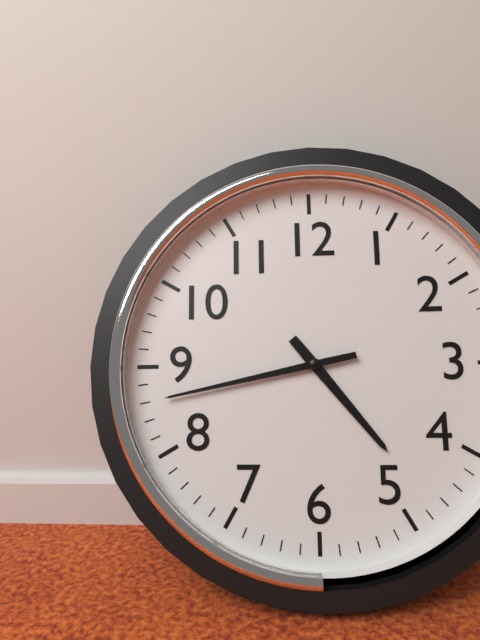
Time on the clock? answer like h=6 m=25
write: h=4 m=43
